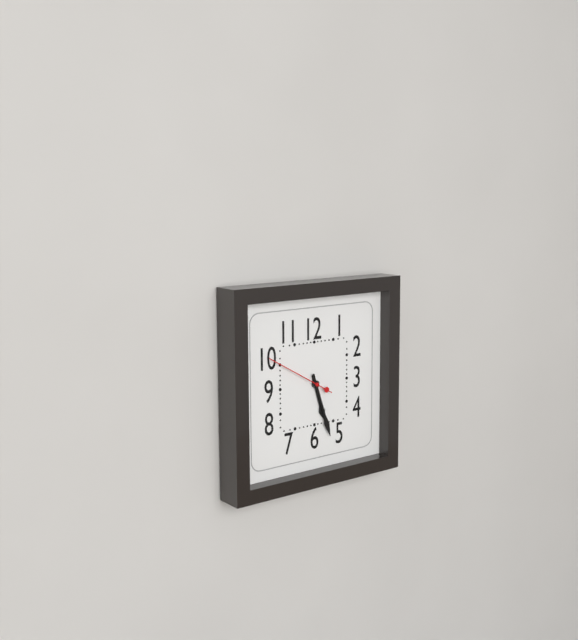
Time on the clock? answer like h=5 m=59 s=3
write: h=5 m=27 s=50
